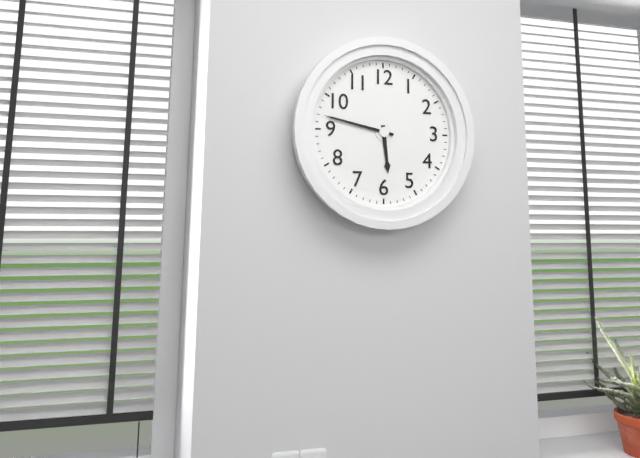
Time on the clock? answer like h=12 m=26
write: h=5 m=47
